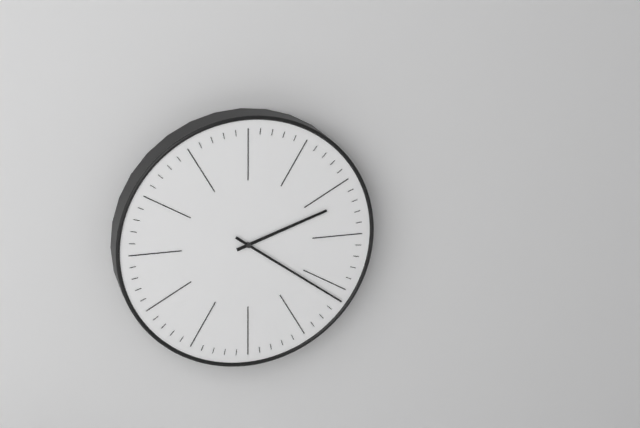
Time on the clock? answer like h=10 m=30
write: h=2 m=21
